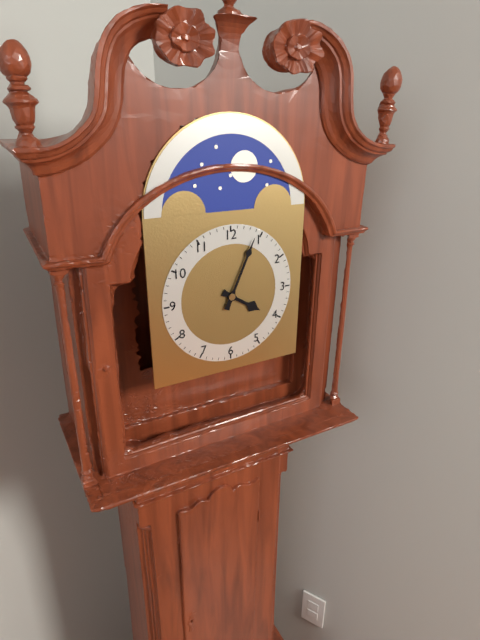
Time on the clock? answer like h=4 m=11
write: h=4 m=4
